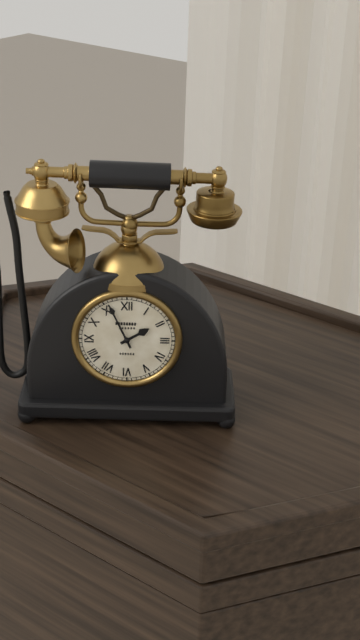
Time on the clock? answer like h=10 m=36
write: h=1 m=56
